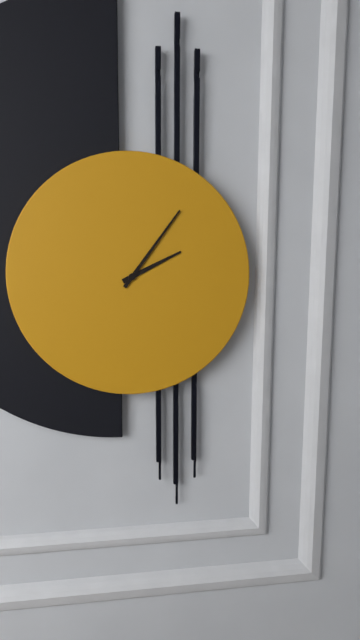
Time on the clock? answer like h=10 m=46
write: h=2 m=6
